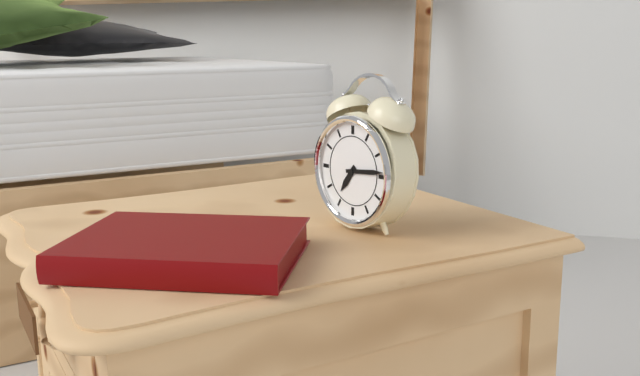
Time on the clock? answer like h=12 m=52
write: h=7 m=14
